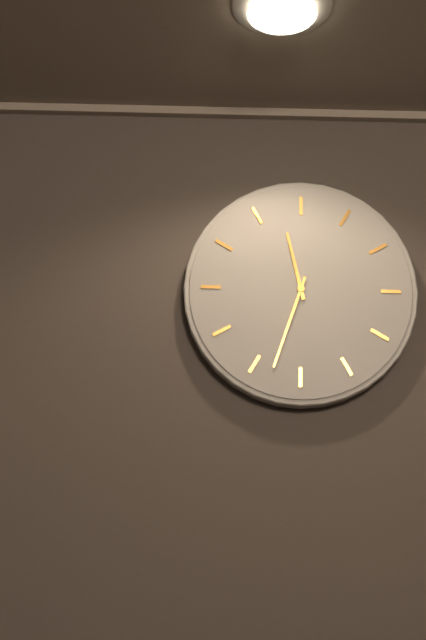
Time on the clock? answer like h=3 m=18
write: h=11 m=33
